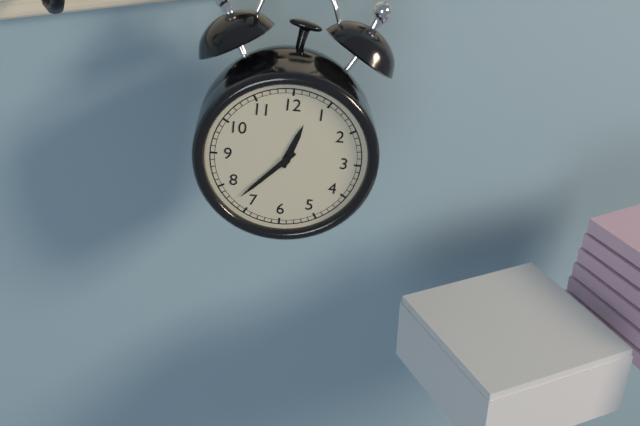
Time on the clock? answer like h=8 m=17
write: h=12 m=37
